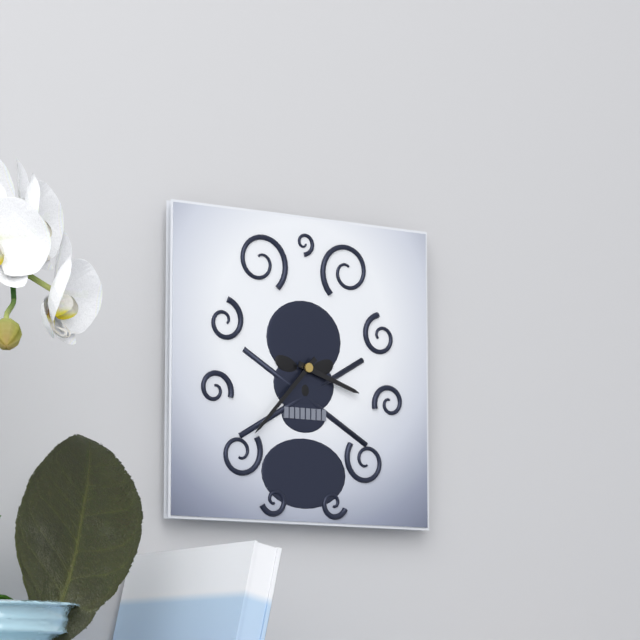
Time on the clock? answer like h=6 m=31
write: h=3 m=37
